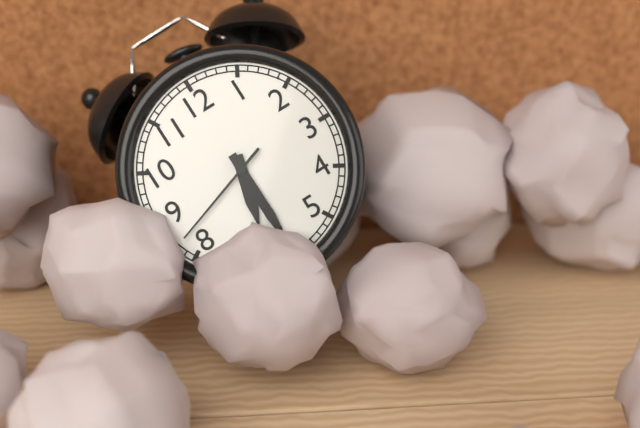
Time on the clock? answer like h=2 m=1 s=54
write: h=6 m=30 s=42
